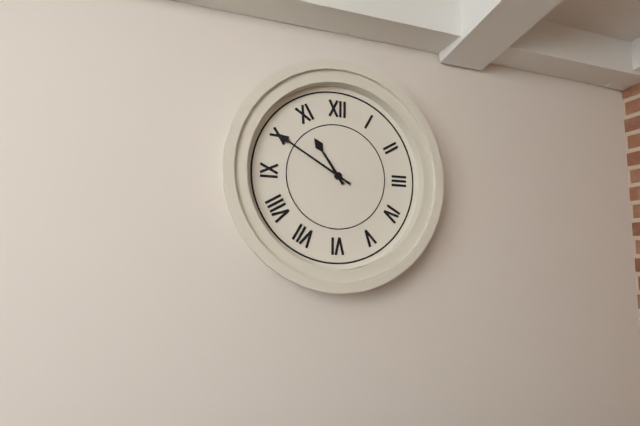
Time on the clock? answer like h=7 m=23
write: h=10 m=50
